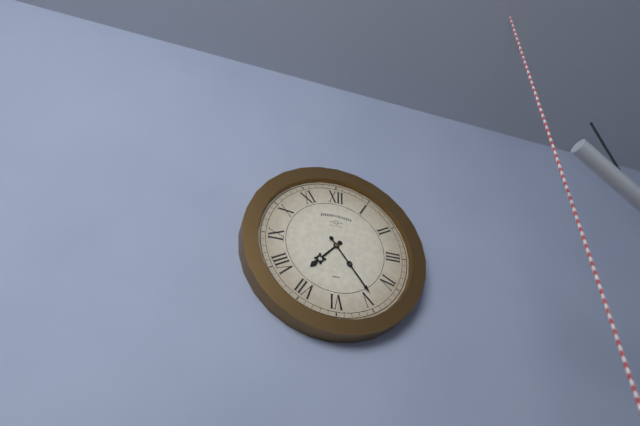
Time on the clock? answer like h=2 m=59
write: h=7 m=24
